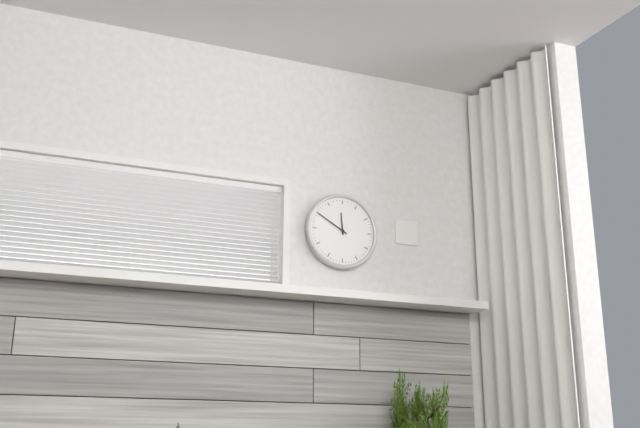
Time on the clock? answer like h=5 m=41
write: h=11 m=50
